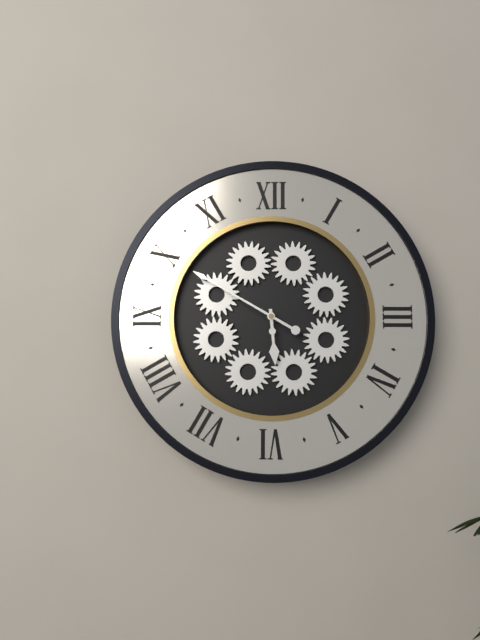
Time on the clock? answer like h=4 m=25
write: h=5 m=50
